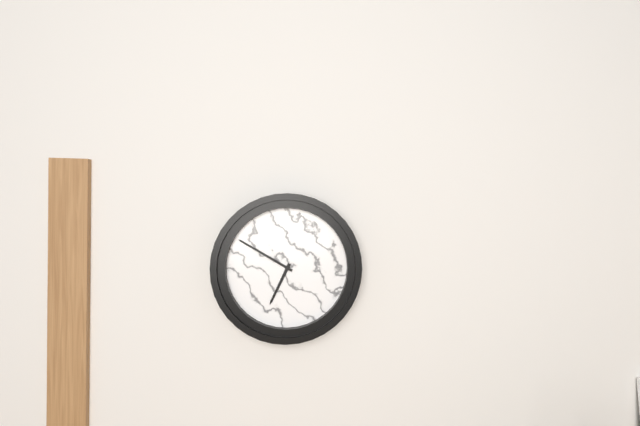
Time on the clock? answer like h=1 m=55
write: h=6 m=50
